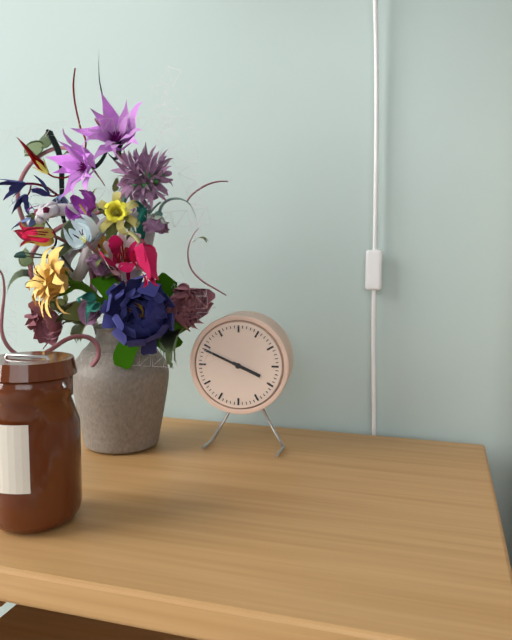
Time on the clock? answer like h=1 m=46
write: h=3 m=49
